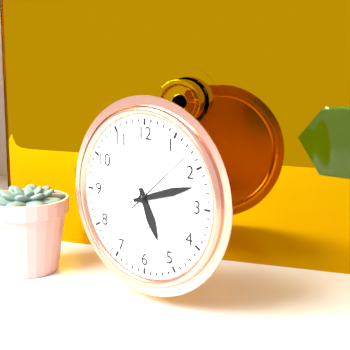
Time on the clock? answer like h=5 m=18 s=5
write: h=5 m=12 s=8
